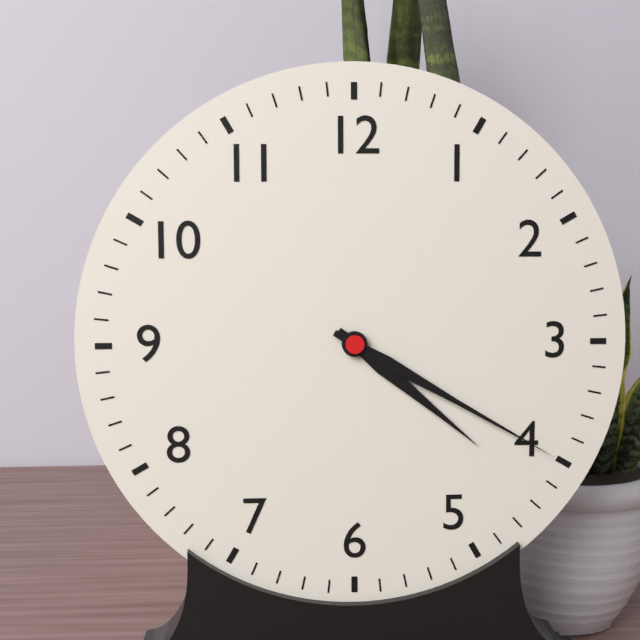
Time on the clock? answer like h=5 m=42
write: h=4 m=20
